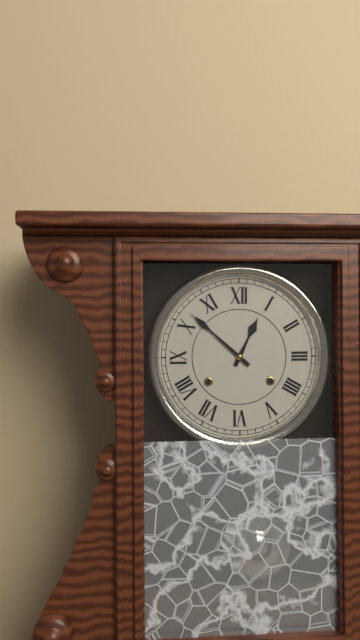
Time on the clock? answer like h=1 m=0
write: h=12 m=52
